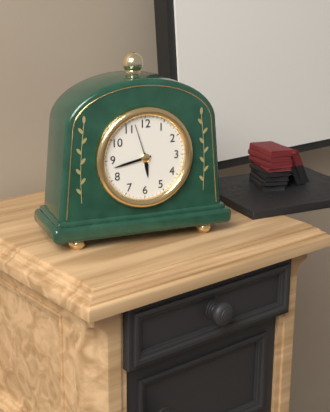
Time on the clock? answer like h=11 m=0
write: h=5 m=43
